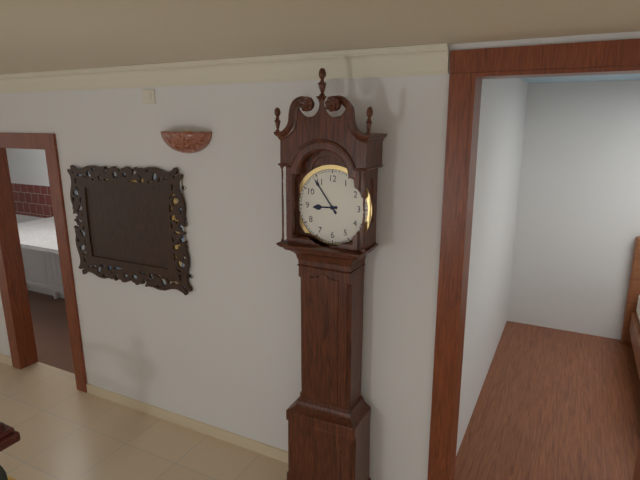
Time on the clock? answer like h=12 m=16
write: h=8 m=54
